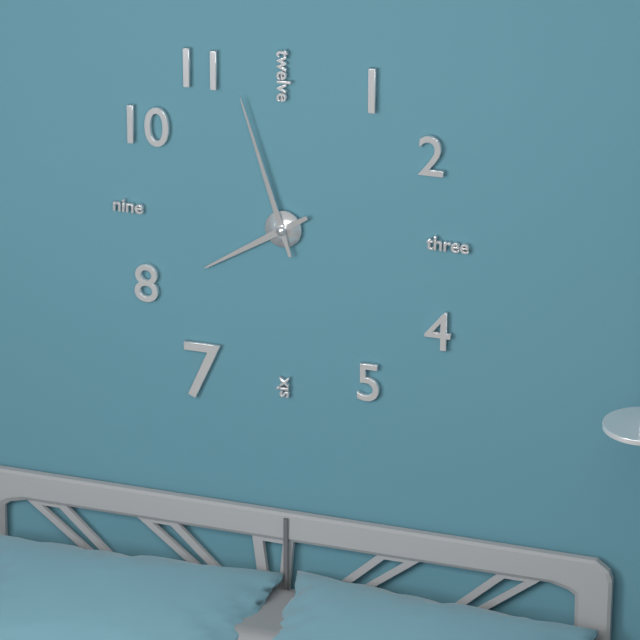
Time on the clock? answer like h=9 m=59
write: h=7 m=57
